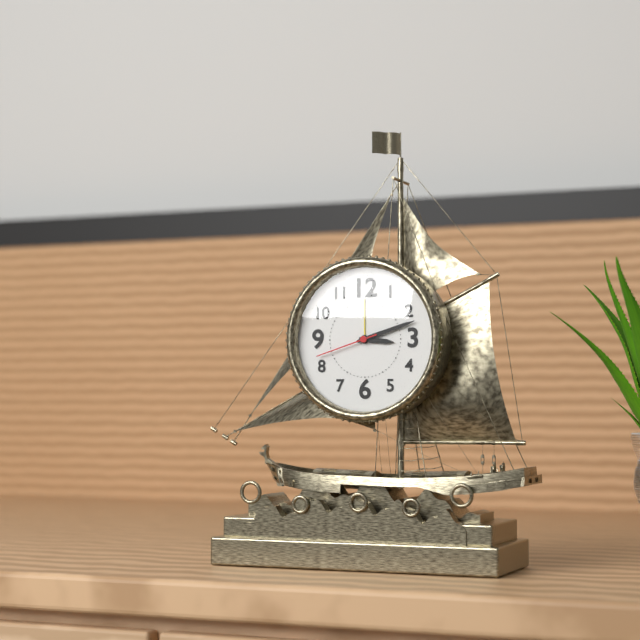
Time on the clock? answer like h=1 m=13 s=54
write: h=3 m=12 s=42
